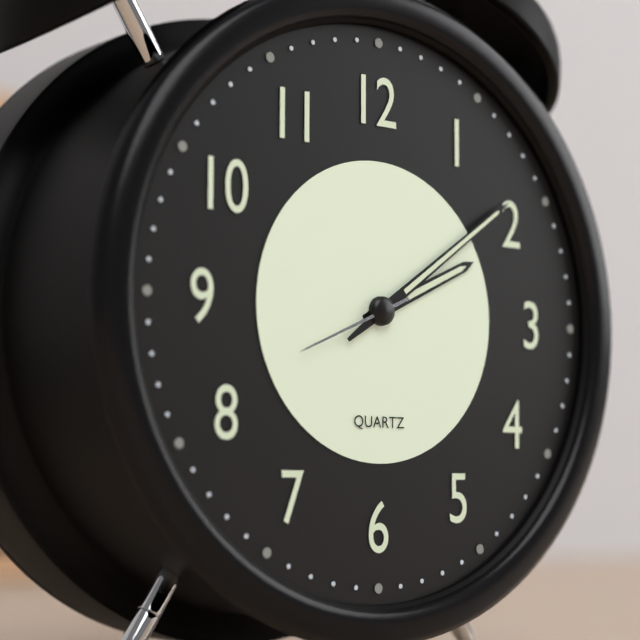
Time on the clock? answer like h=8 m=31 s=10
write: h=2 m=9 s=41
